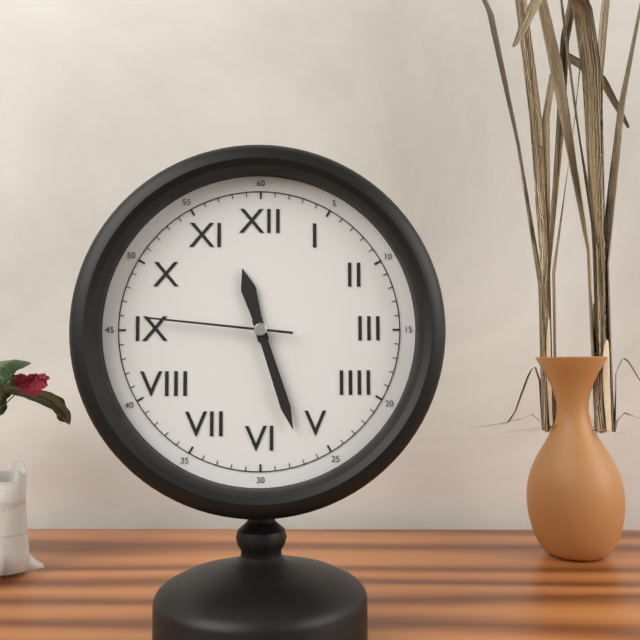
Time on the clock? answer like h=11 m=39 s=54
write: h=11 m=27 s=46
